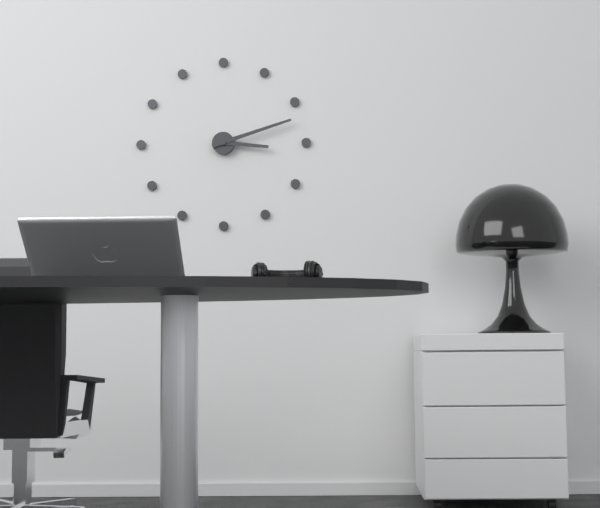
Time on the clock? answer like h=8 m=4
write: h=3 m=12
